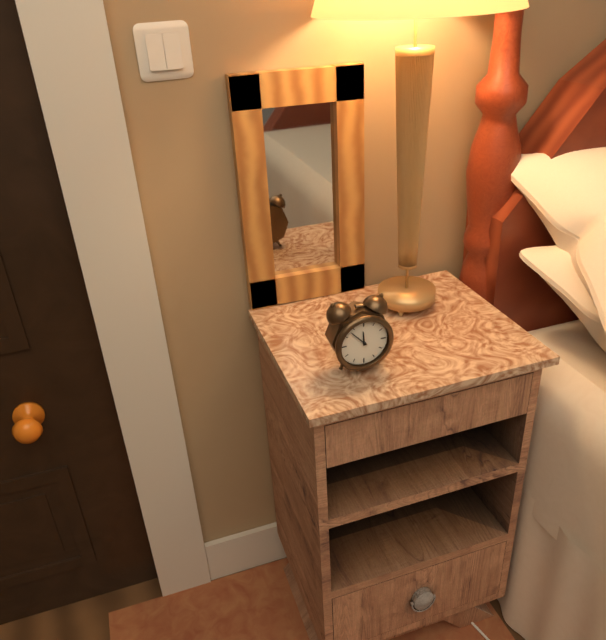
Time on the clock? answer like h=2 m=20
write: h=11 m=53
